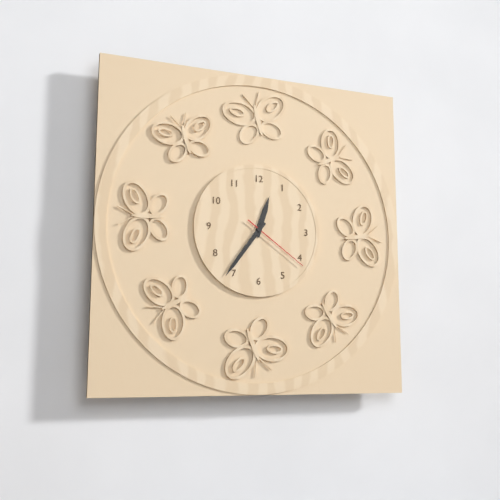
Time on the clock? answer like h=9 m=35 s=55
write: h=12 m=36 s=21
